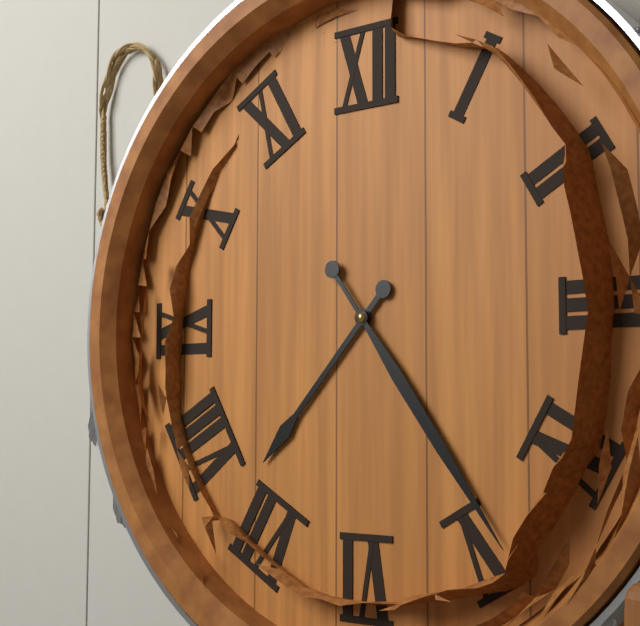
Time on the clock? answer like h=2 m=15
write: h=7 m=24
